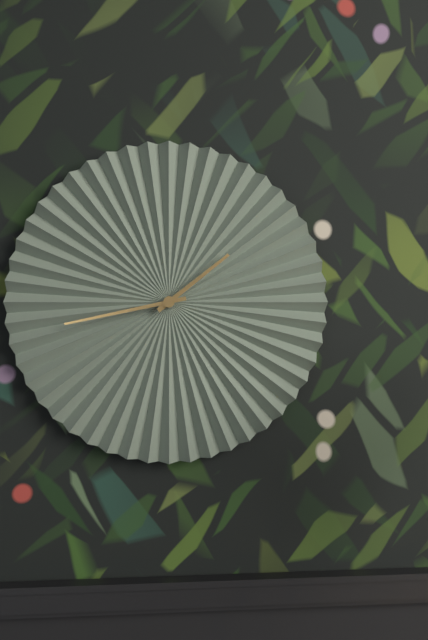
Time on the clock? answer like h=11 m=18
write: h=1 m=43
